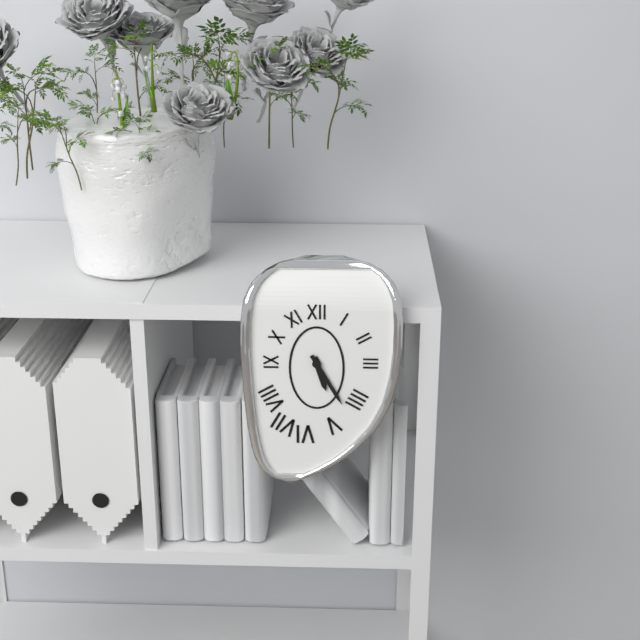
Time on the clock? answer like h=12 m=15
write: h=5 m=25
